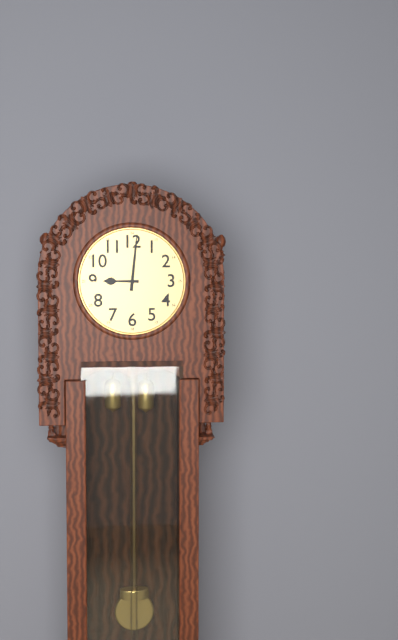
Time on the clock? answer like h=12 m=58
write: h=9 m=1
